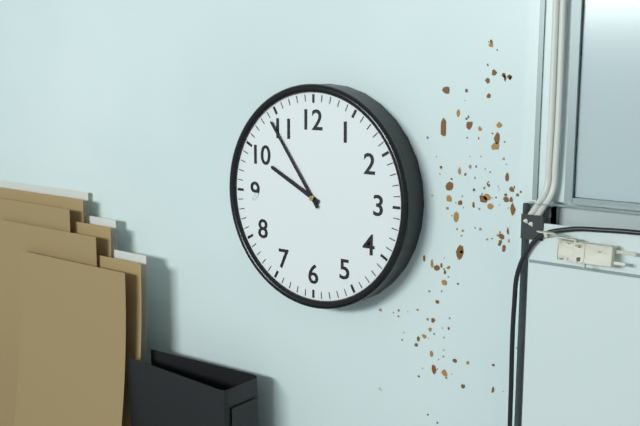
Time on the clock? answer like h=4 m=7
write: h=9 m=54
